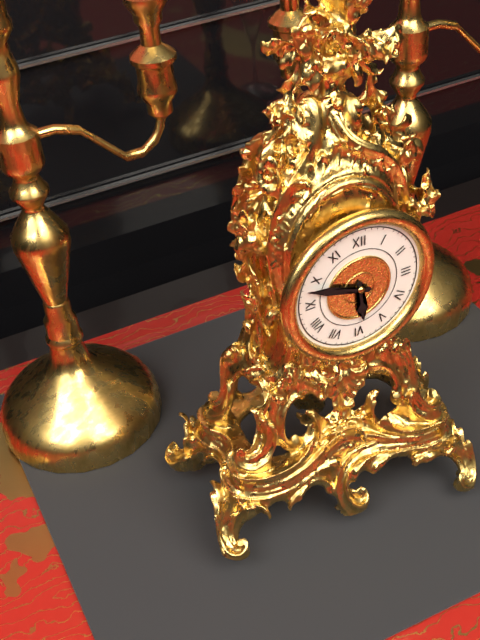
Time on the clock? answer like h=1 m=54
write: h=5 m=48
